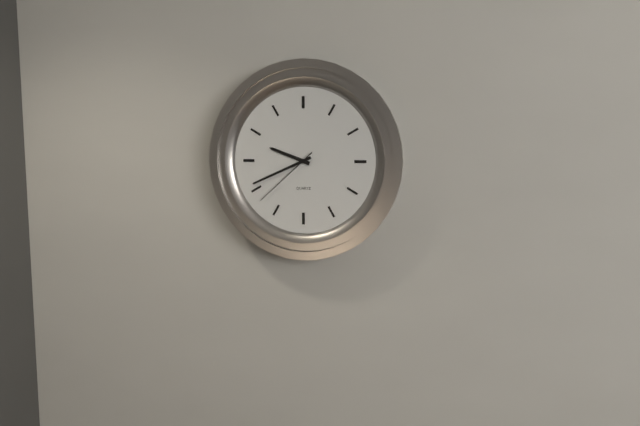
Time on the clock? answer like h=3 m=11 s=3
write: h=9 m=41 s=38
